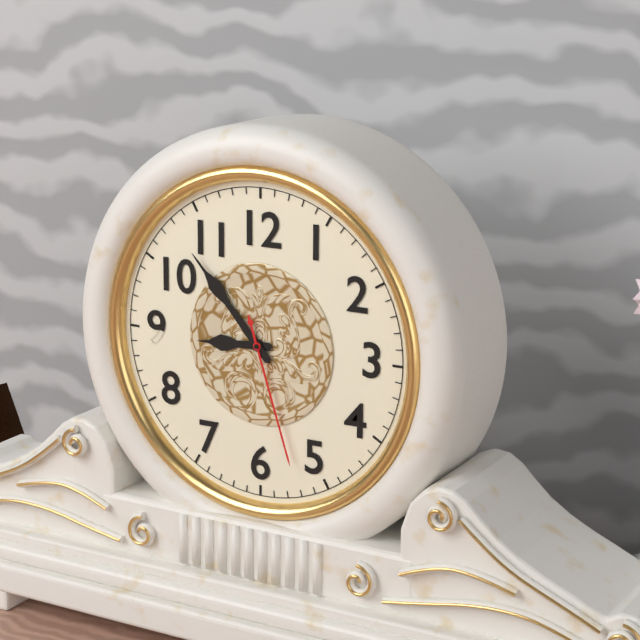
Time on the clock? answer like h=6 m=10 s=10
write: h=8 m=53 s=27
